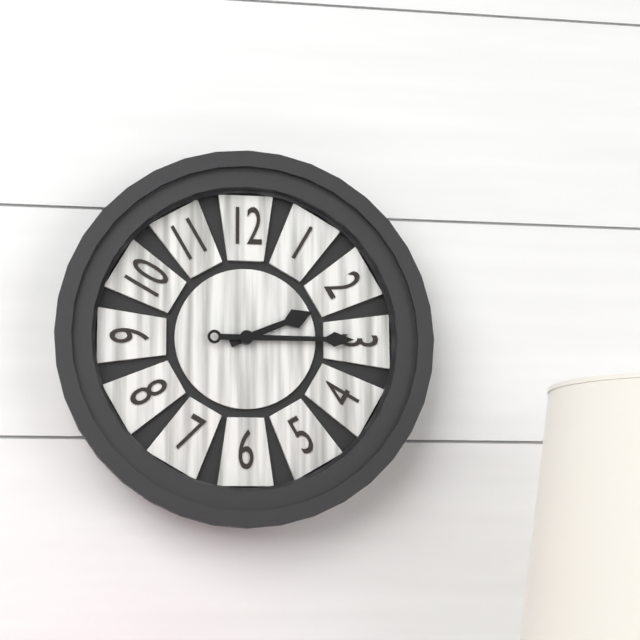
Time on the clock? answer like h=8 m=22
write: h=2 m=15
